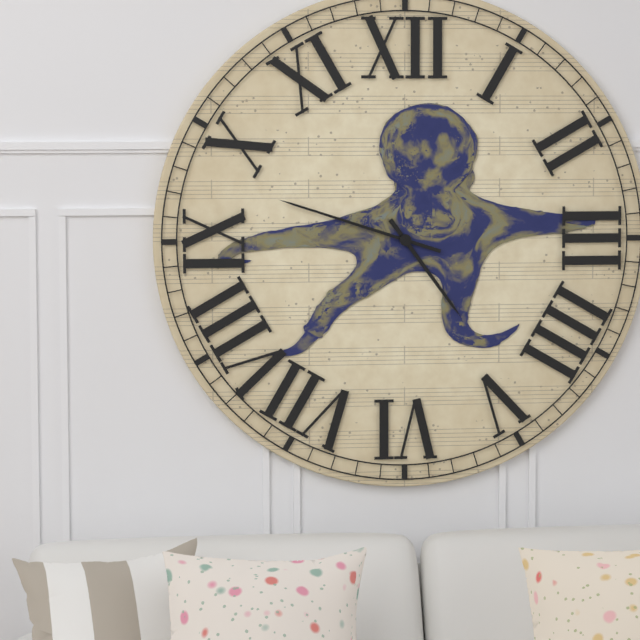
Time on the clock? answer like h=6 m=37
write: h=4 m=48
